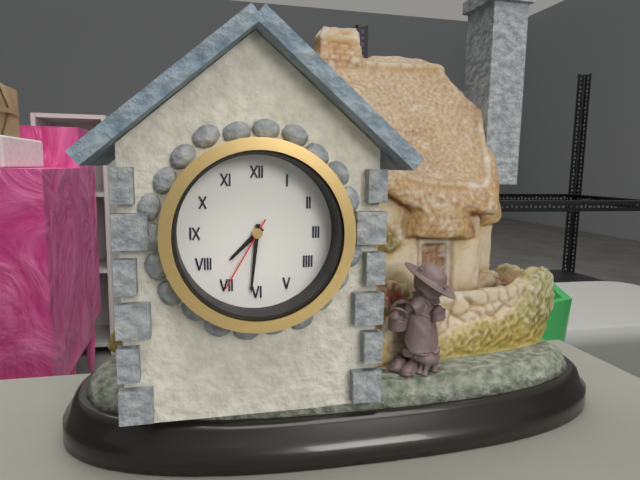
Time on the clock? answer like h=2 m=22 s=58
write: h=7 m=31 s=35
